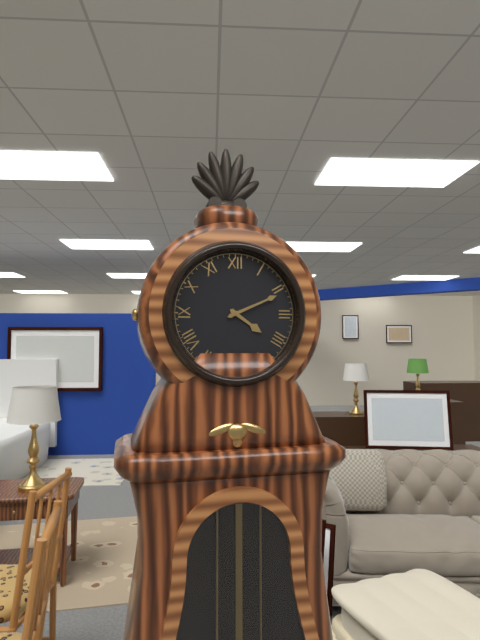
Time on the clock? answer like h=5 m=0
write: h=4 m=11
